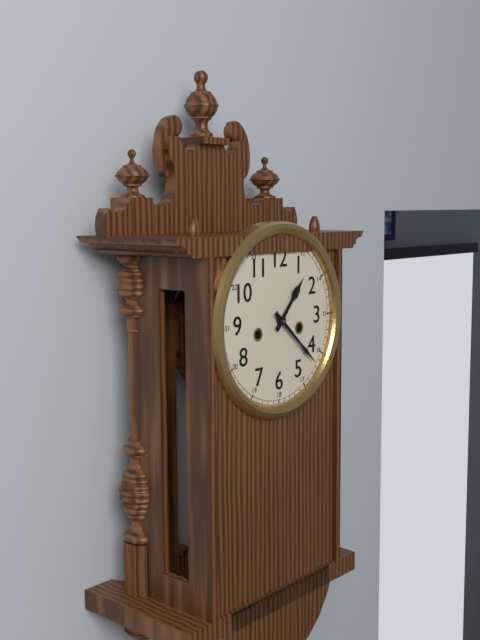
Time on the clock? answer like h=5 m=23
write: h=1 m=22
